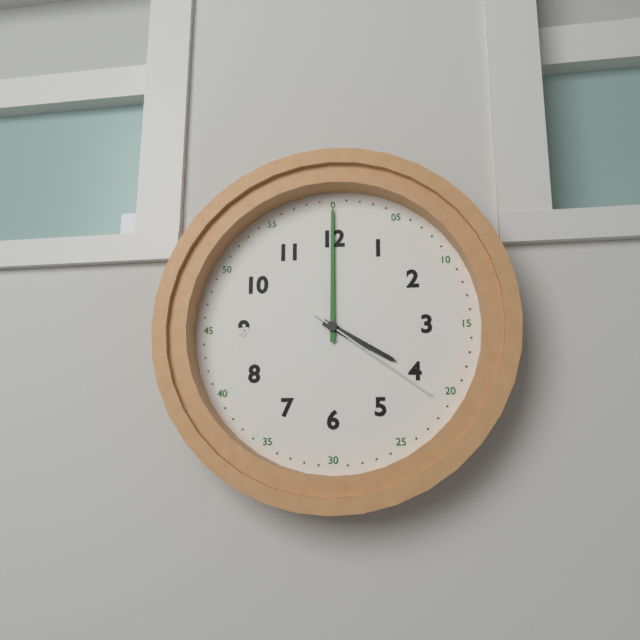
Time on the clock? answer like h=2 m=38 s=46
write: h=4 m=0 s=21
